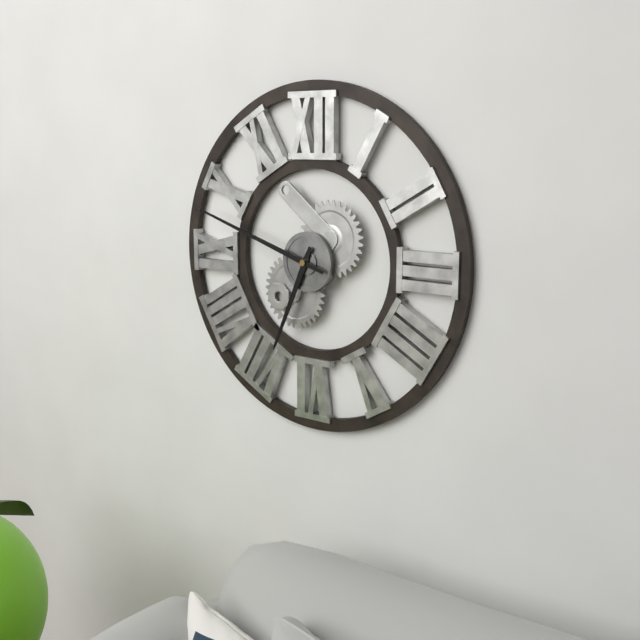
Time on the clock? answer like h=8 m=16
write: h=6 m=48
